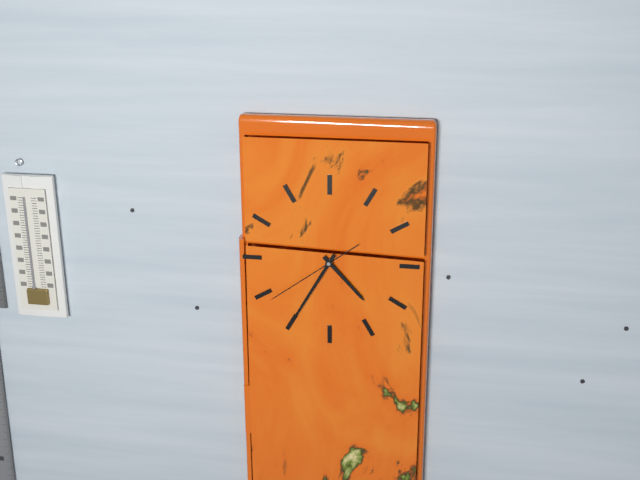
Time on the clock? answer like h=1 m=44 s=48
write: h=4 m=35 s=39
